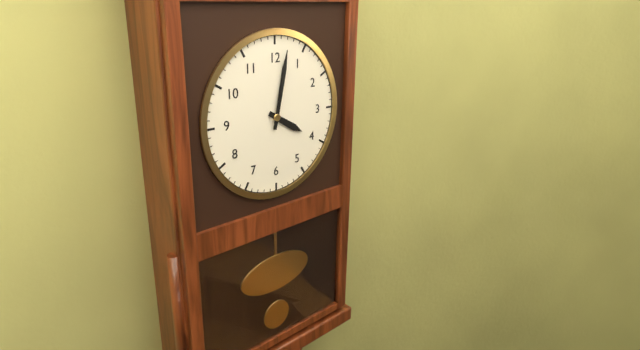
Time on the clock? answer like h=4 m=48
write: h=4 m=2
